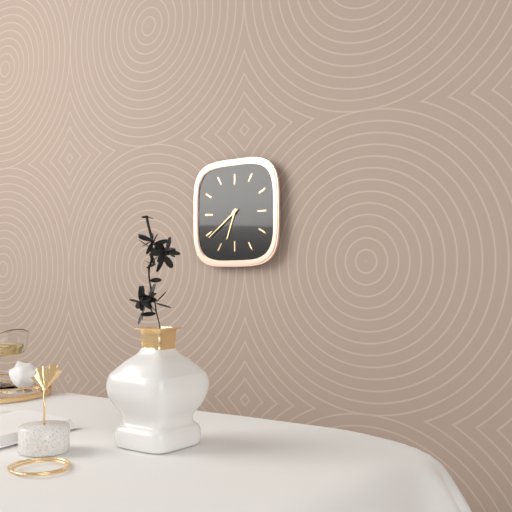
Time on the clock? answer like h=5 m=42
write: h=6 m=39
